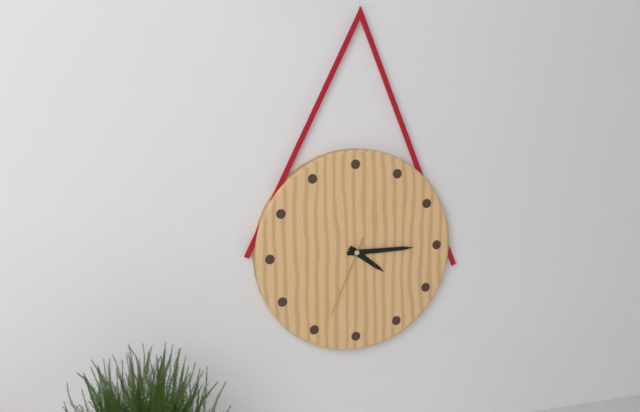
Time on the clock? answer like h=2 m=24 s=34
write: h=4 m=15 s=34
